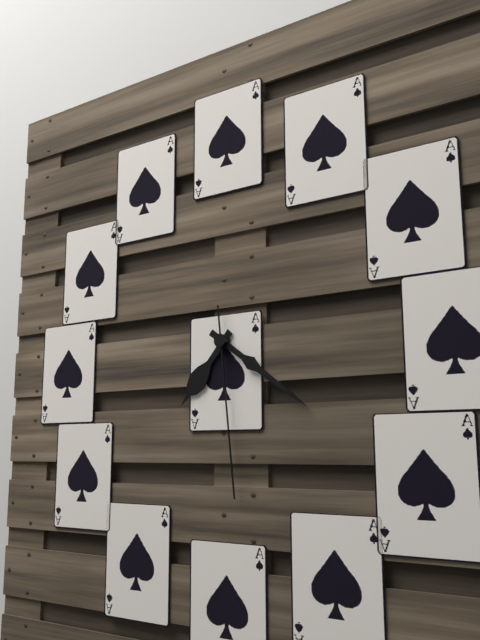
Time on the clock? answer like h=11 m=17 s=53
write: h=7 m=21 s=29
